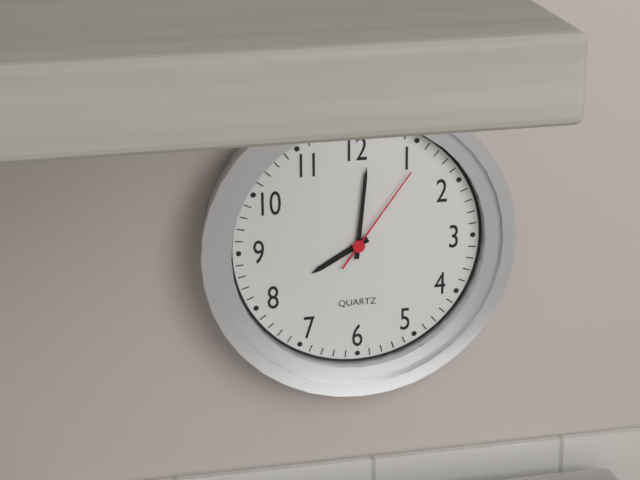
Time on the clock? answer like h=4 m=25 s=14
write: h=8 m=1 s=6
